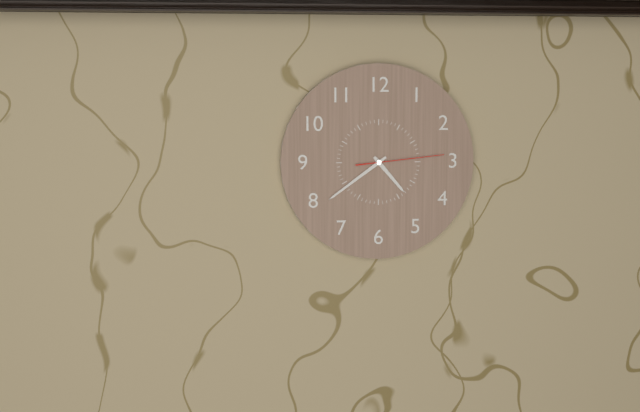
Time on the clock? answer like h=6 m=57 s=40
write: h=4 m=39 s=14
